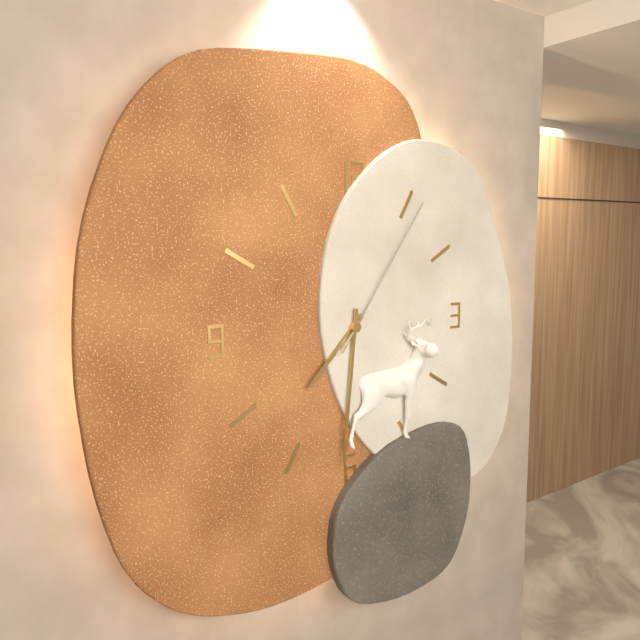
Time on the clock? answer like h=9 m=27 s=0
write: h=7 m=31 s=6
